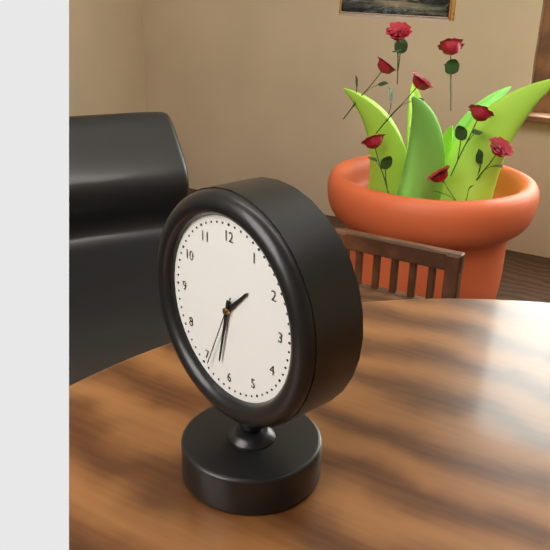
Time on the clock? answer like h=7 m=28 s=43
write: h=1 m=32 s=34
